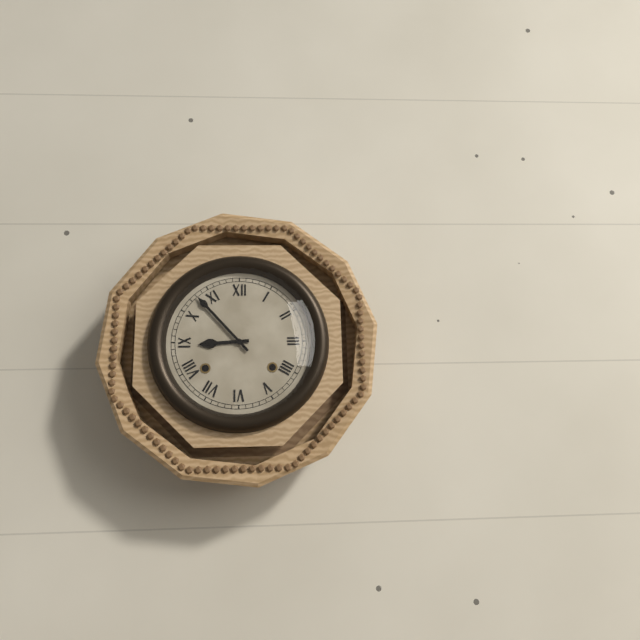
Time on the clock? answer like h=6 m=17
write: h=8 m=53
